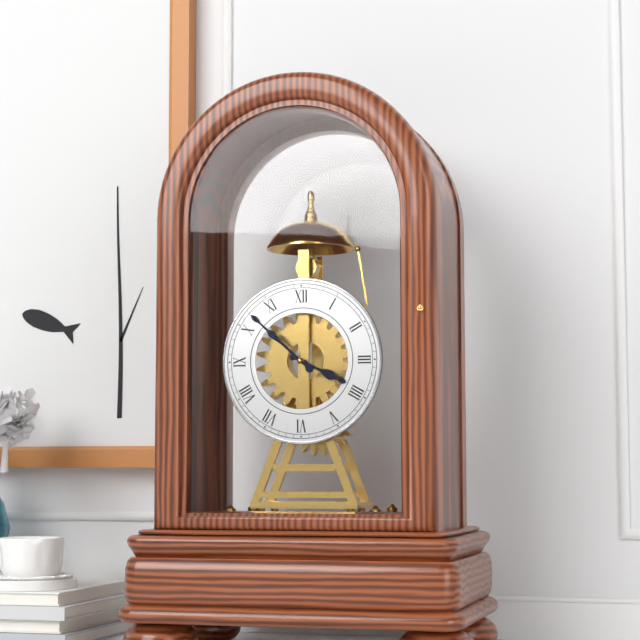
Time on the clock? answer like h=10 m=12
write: h=3 m=52
